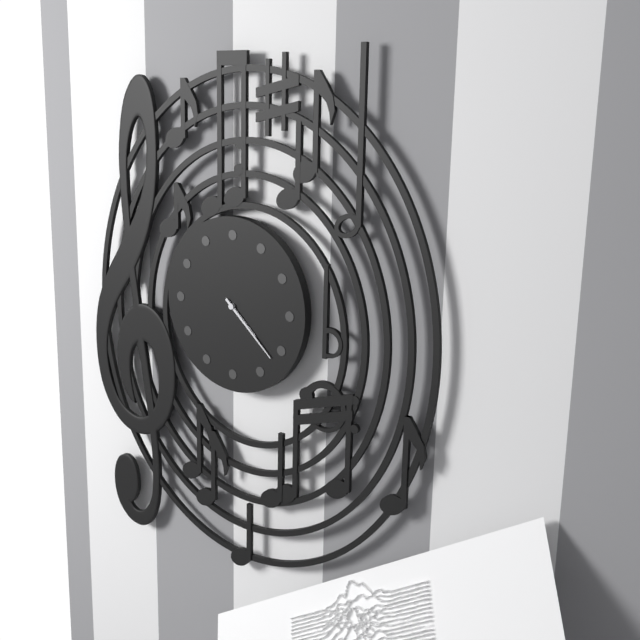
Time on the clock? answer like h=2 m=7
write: h=4 m=22
